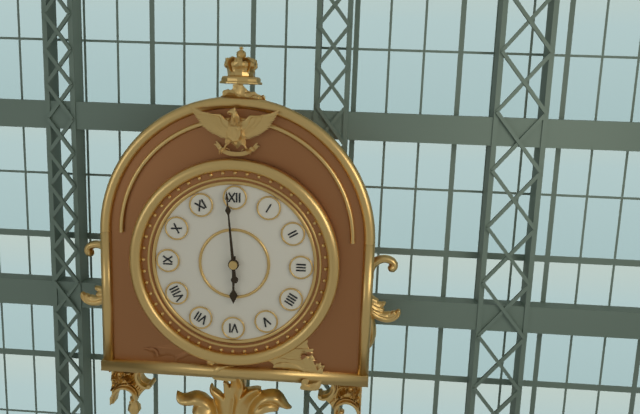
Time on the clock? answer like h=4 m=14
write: h=5 m=59
